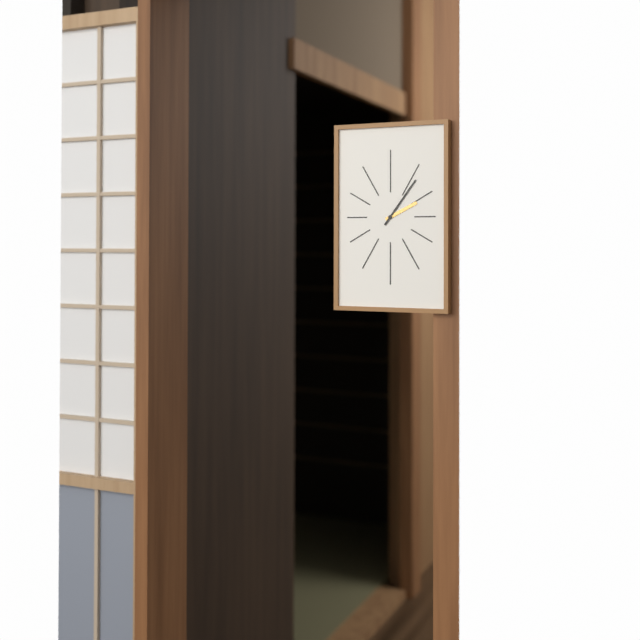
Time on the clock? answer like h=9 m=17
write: h=2 m=6
